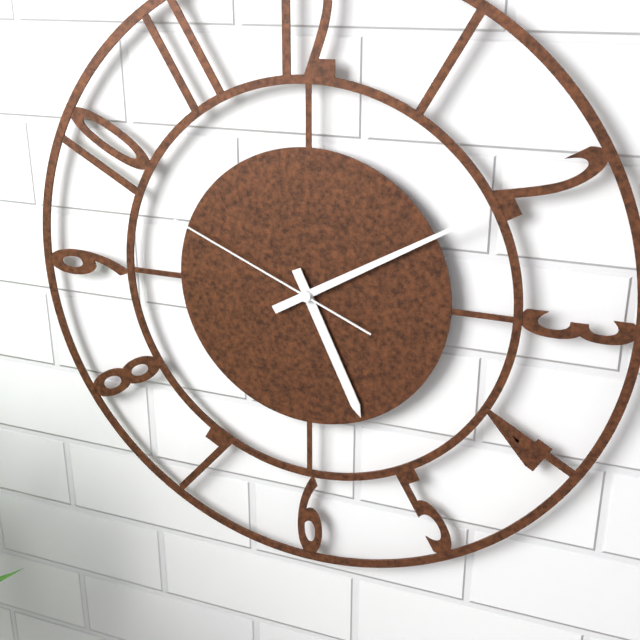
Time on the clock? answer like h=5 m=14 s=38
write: h=5 m=10 s=49
